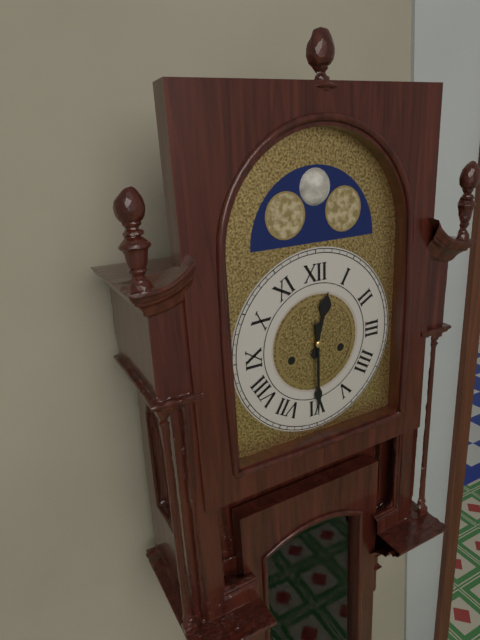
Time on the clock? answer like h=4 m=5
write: h=12 m=30
